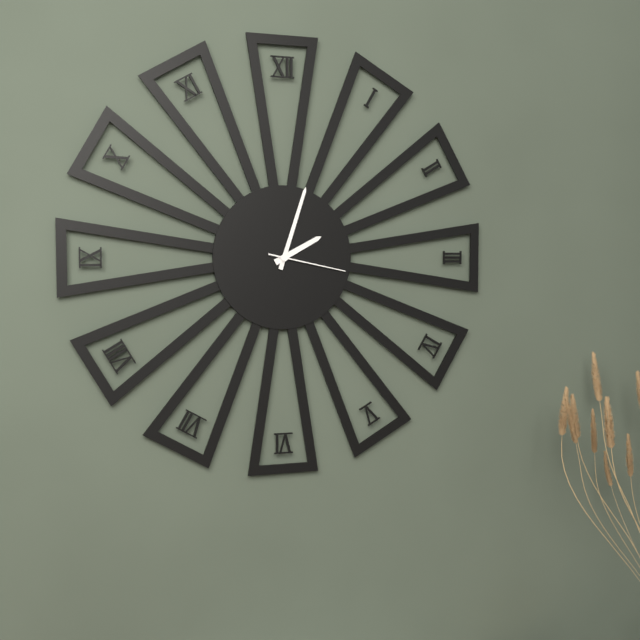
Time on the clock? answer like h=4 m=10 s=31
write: h=2 m=3 s=17
